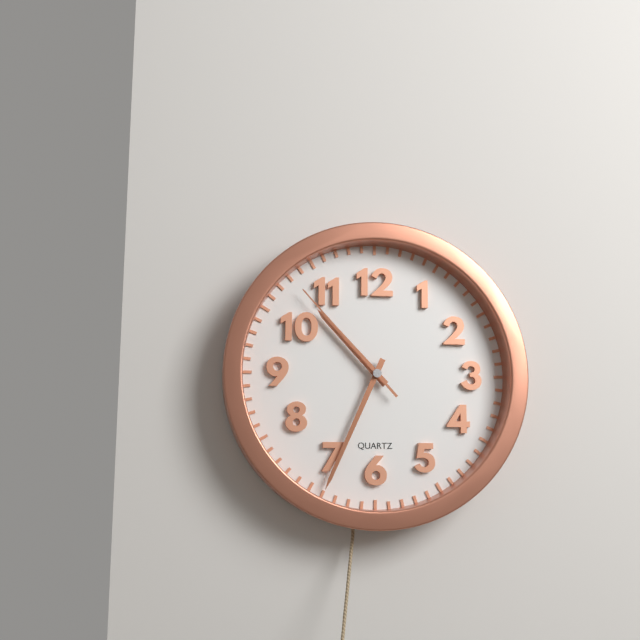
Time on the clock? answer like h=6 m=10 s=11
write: h=10 m=34 s=53
